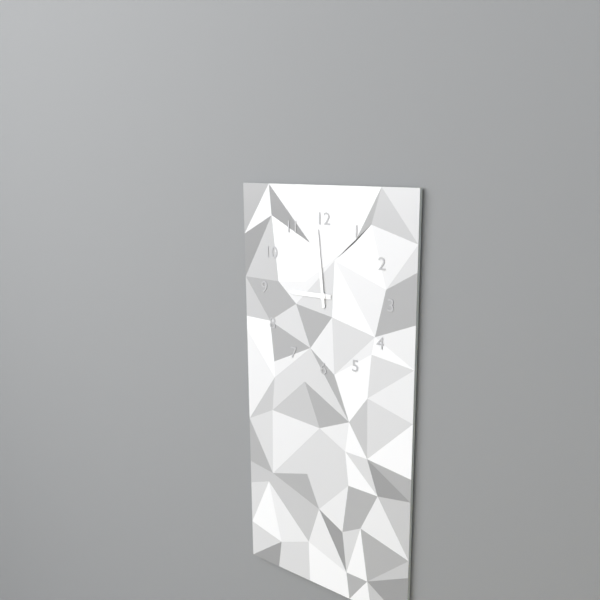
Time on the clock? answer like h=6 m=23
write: h=8 m=59
